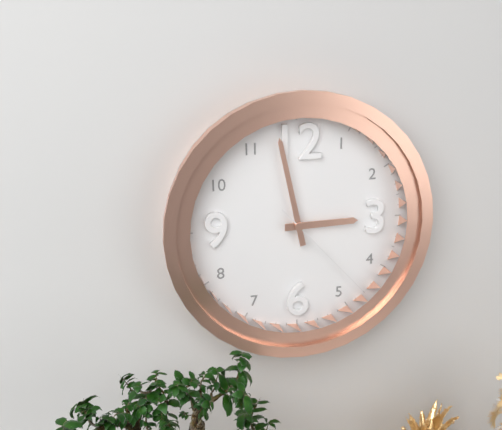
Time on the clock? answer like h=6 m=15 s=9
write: h=2 m=58 s=23
